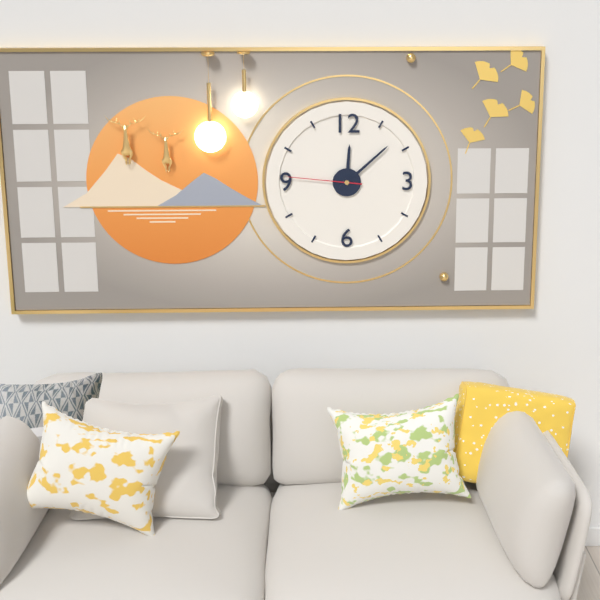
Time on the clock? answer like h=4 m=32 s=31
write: h=12 m=8 s=46
